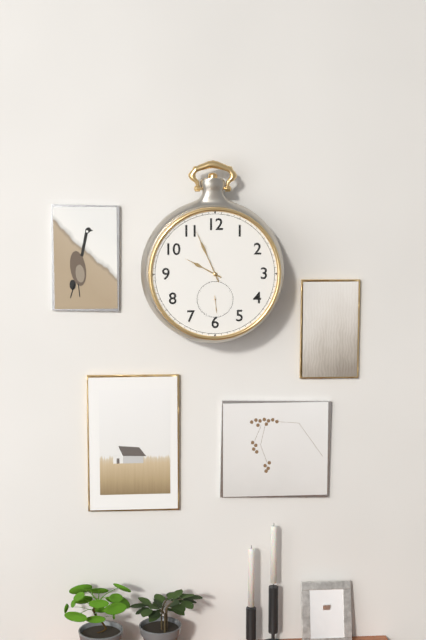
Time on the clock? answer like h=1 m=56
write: h=9 m=56
